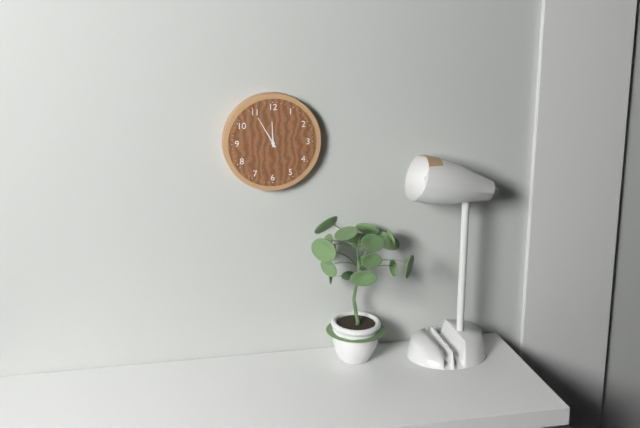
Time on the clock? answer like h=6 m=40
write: h=11 m=55
